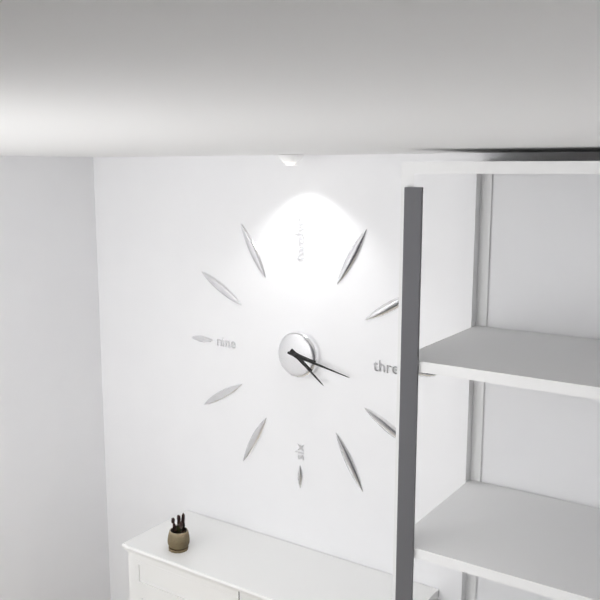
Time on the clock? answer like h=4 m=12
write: h=4 m=17
